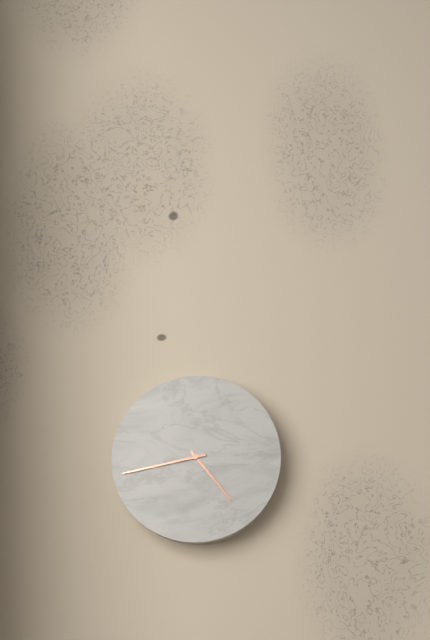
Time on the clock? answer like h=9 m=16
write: h=4 m=43
